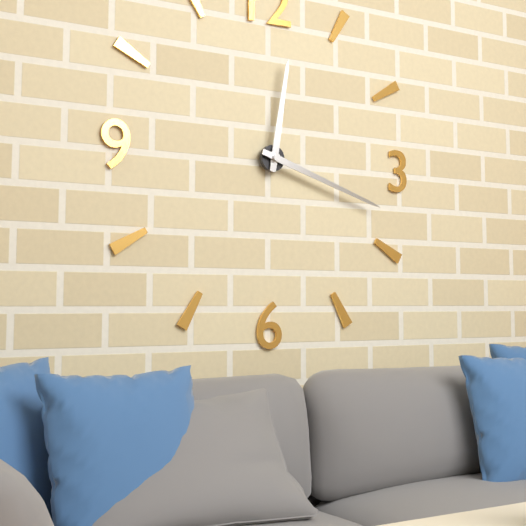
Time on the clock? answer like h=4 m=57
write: h=12 m=18
